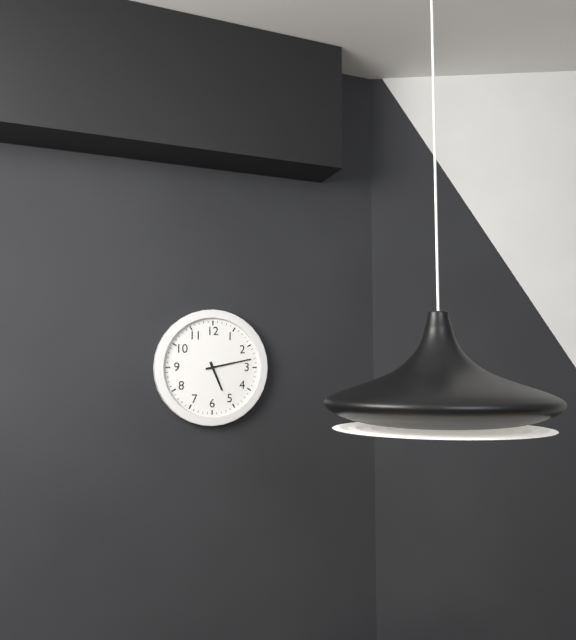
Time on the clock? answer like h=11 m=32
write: h=5 m=13
